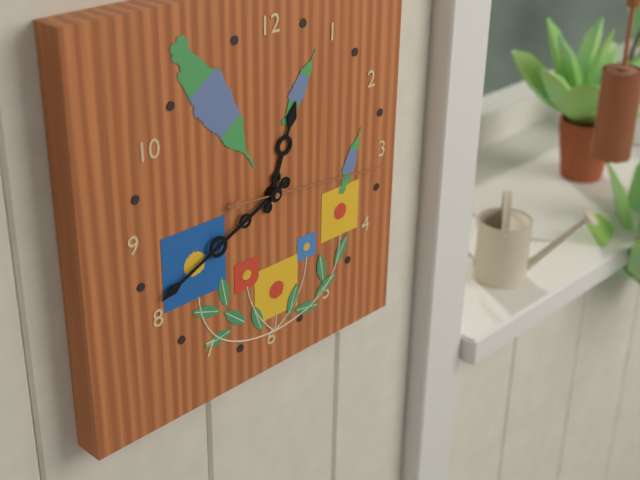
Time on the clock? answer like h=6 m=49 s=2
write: h=12 m=41 s=16
